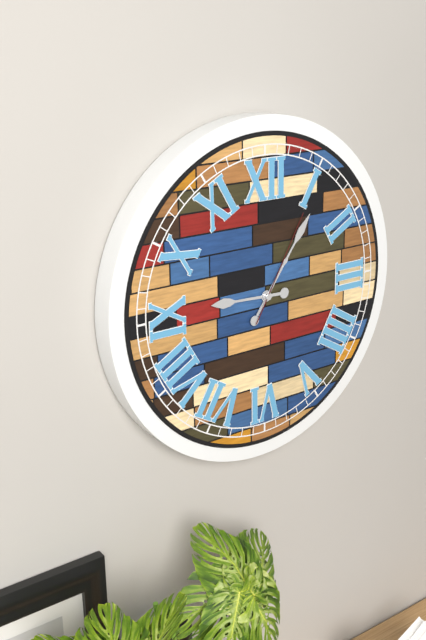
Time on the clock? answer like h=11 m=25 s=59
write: h=9 m=6 s=5
